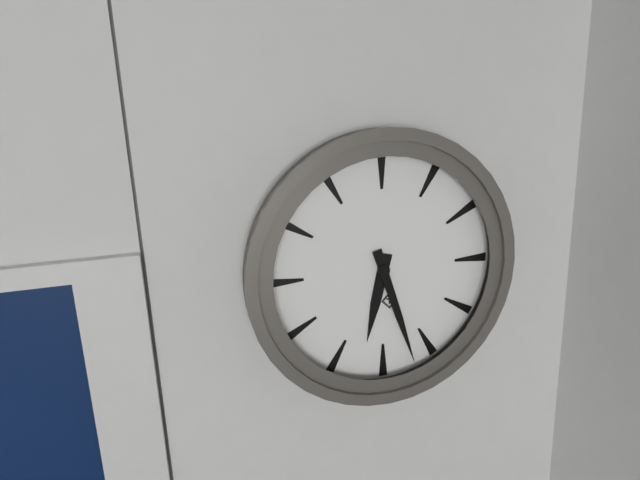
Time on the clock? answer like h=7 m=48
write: h=6 m=27
